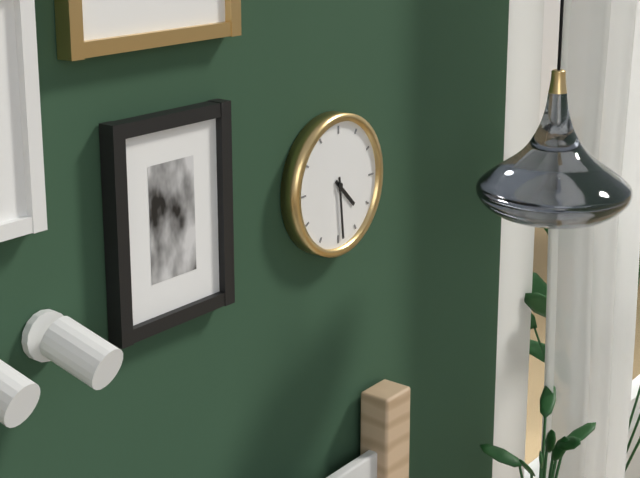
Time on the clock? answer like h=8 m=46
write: h=4 m=29
